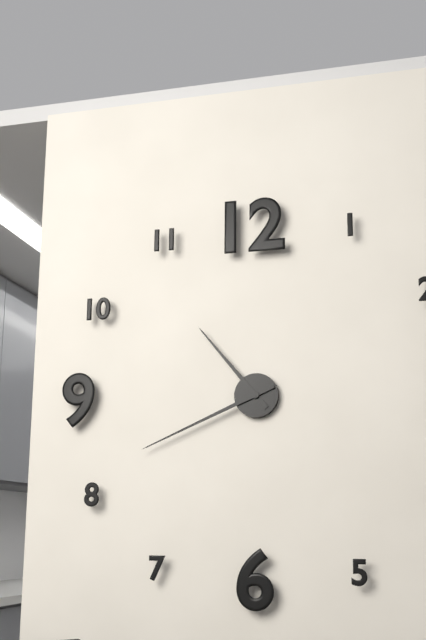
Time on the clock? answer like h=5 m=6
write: h=10 m=41
